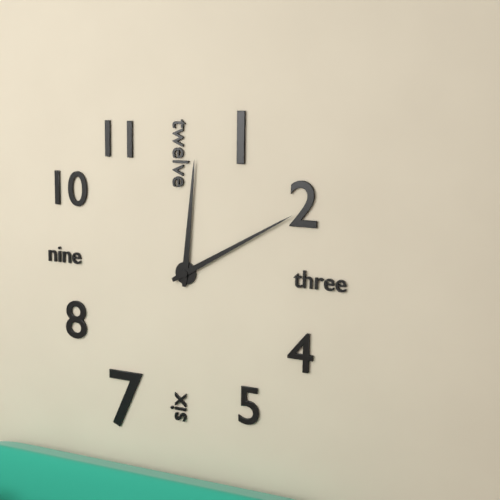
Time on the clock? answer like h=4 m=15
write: h=12 m=10
